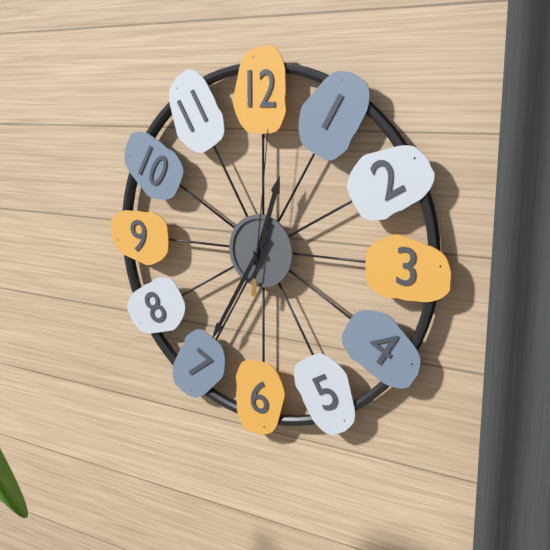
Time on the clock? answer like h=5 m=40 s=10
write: h=12 m=35 s=1
